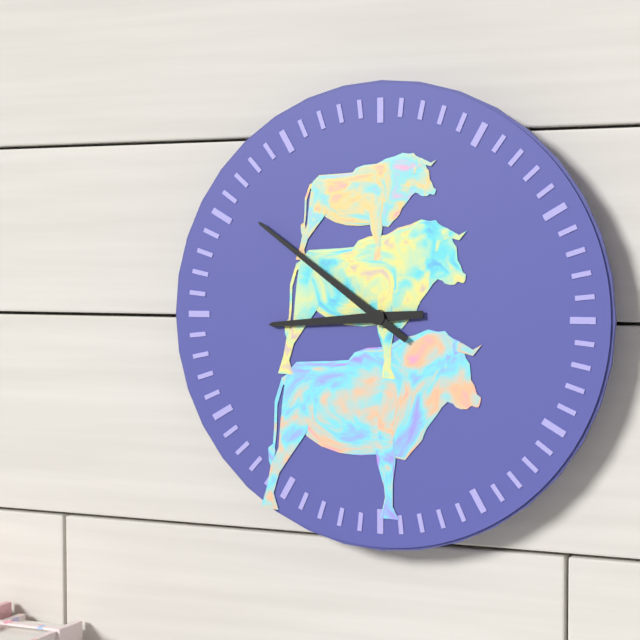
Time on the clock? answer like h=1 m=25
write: h=8 m=51
